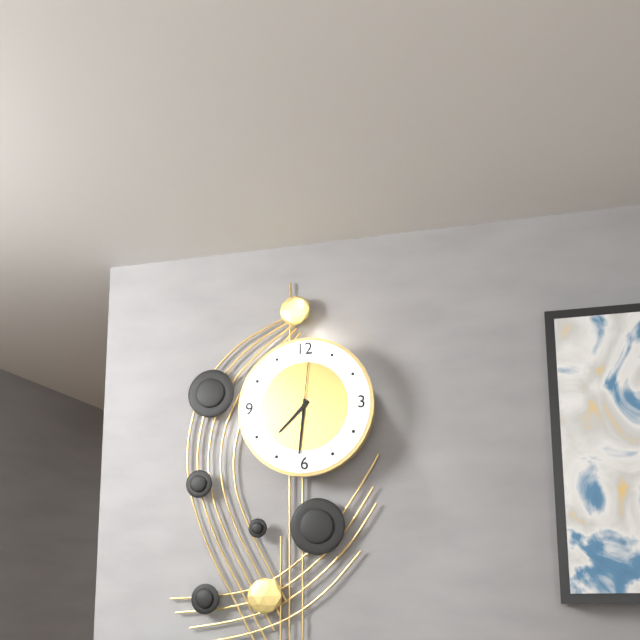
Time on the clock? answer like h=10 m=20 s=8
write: h=7 m=31 s=1
